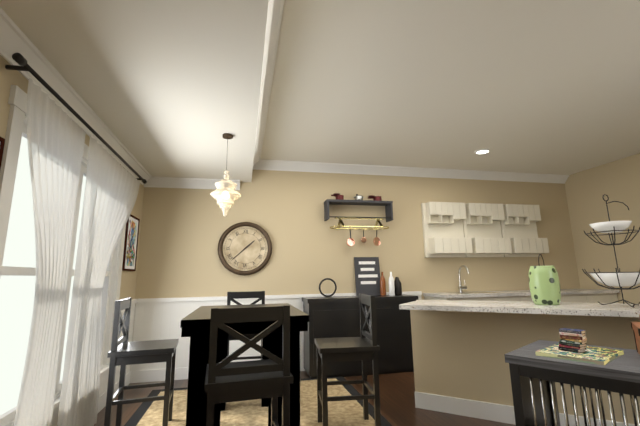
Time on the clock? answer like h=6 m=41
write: h=1 m=38
